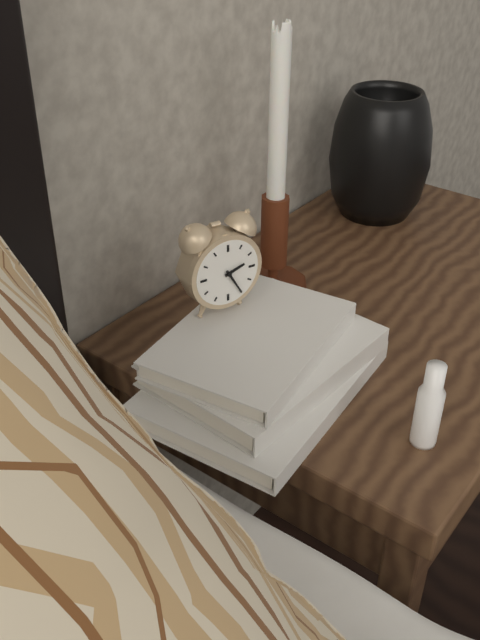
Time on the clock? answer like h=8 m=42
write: h=2 m=25
